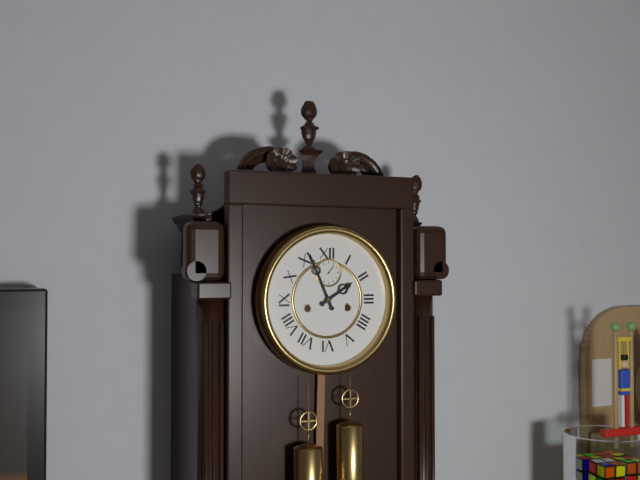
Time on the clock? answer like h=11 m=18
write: h=1 m=56
